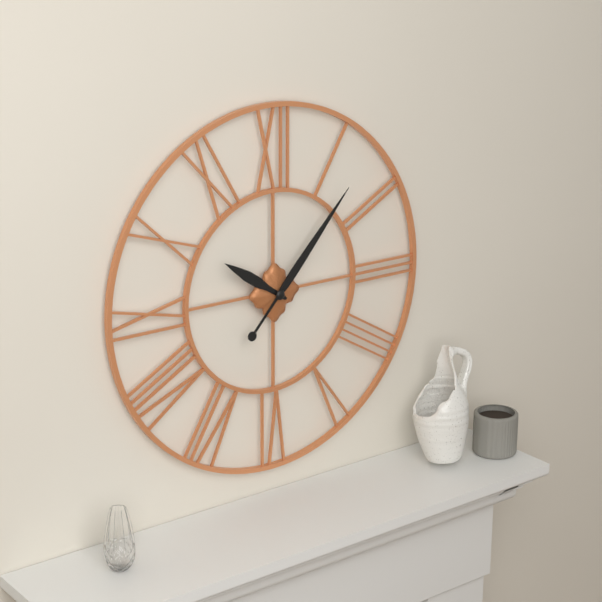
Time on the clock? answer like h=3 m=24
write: h=10 m=7
